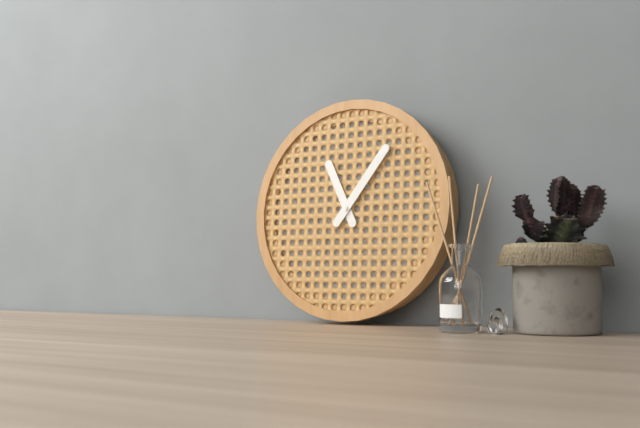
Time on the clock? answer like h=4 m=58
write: h=11 m=6
